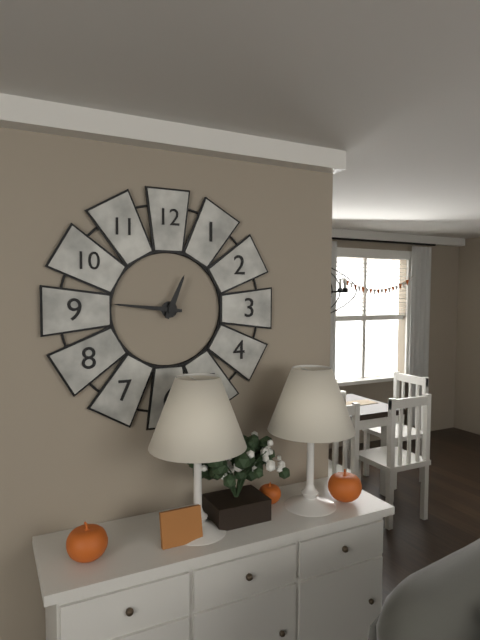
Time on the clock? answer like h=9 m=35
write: h=12 m=46
